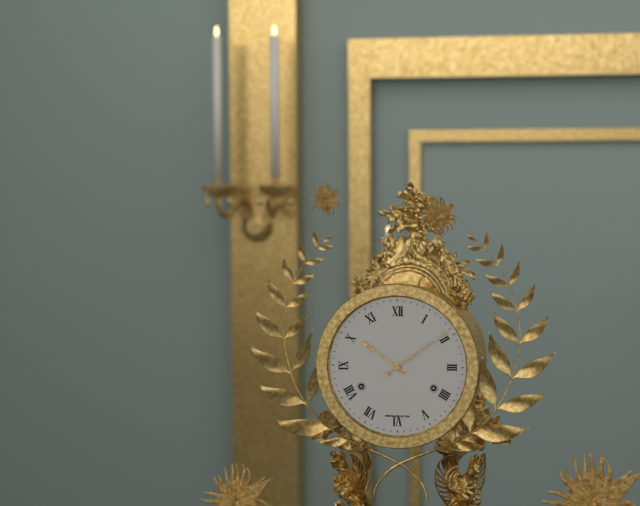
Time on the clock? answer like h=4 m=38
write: h=10 m=9
